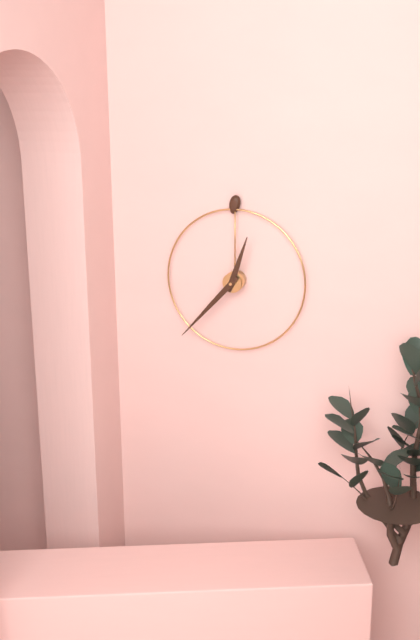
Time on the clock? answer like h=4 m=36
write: h=12 m=37
